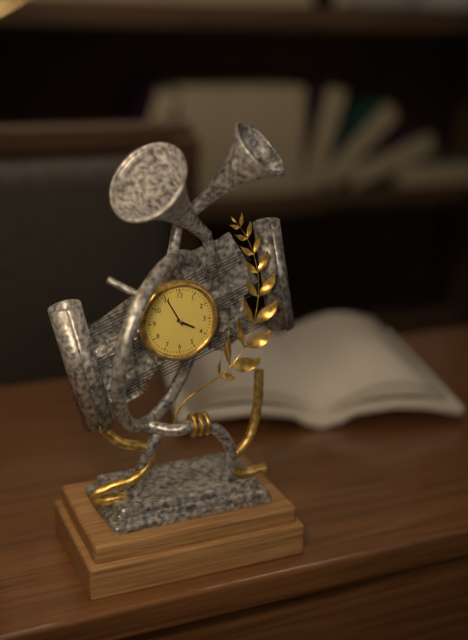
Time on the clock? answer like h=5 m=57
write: h=3 m=55
